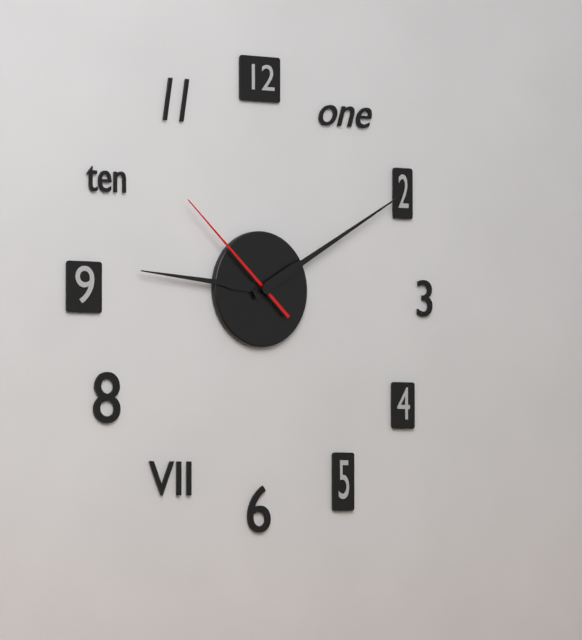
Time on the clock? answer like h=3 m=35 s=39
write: h=9 m=10 s=52
